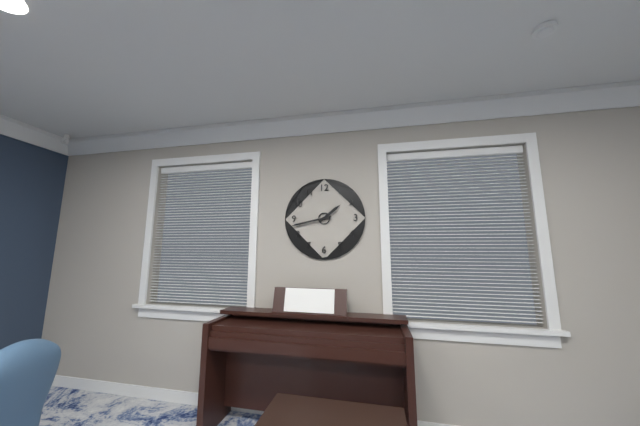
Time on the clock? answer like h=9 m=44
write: h=1 m=43
